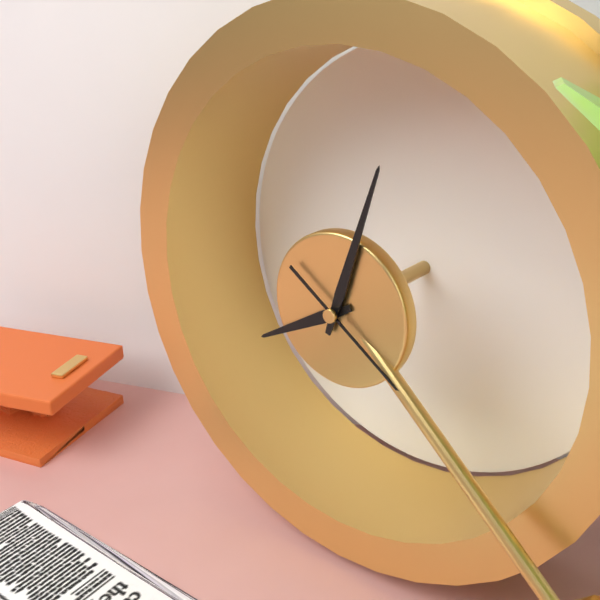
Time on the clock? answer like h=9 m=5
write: h=8 m=3
